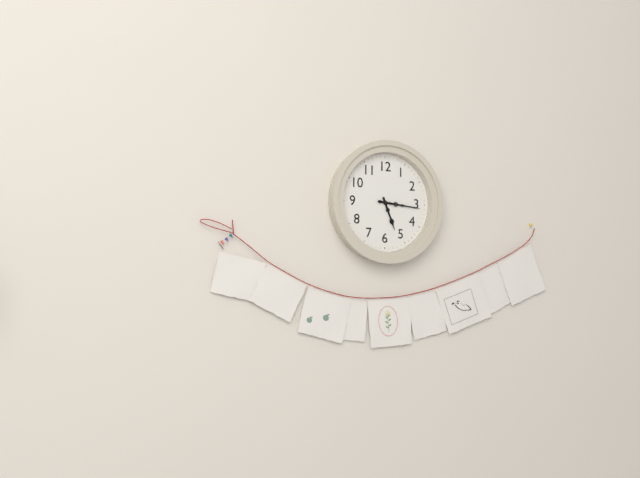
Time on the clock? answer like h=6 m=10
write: h=5 m=16
